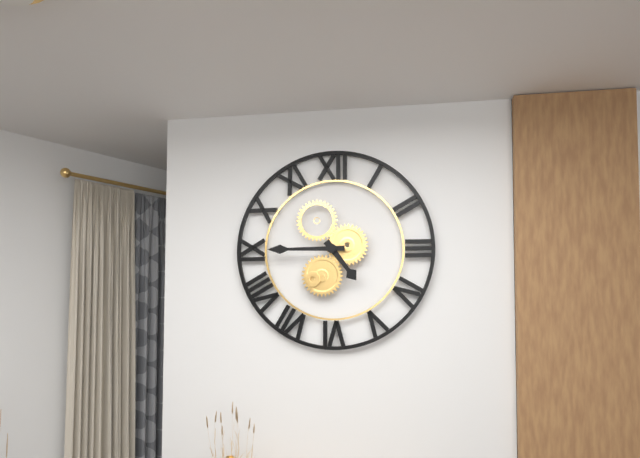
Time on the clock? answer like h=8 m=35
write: h=4 m=45
